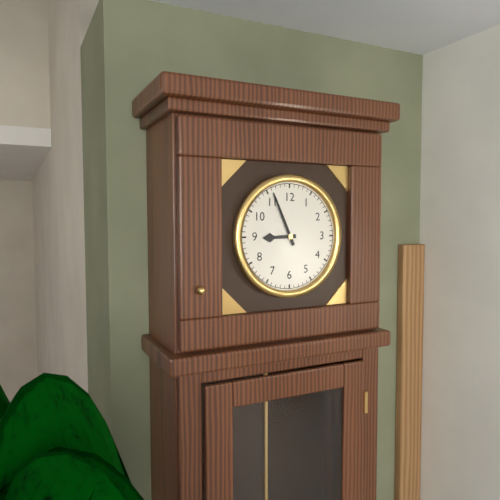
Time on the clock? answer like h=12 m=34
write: h=8 m=56
